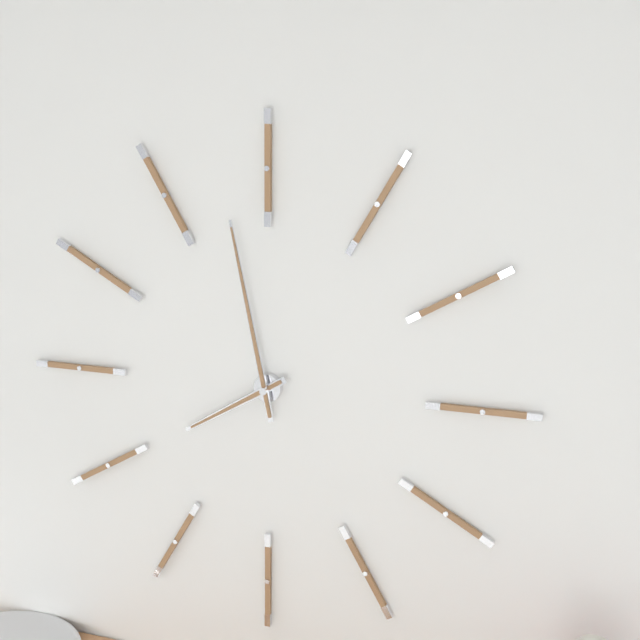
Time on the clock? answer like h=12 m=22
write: h=7 m=58
